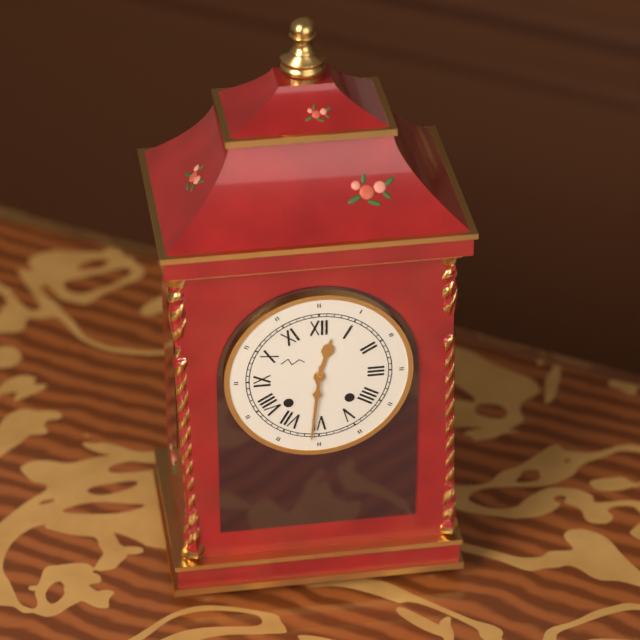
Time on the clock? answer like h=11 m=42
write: h=12 m=31
